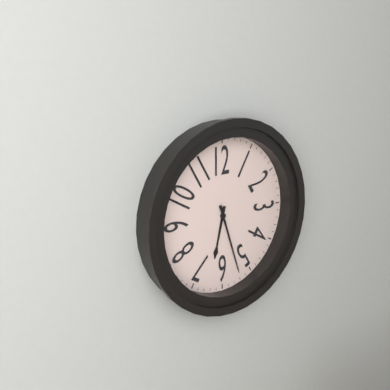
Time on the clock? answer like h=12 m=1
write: h=6 m=27
